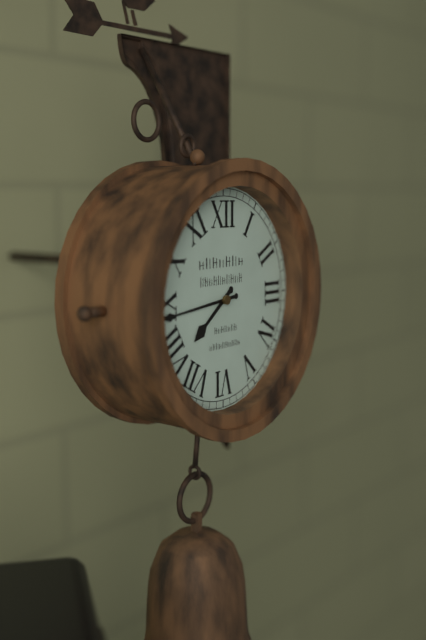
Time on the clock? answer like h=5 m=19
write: h=7 m=44
